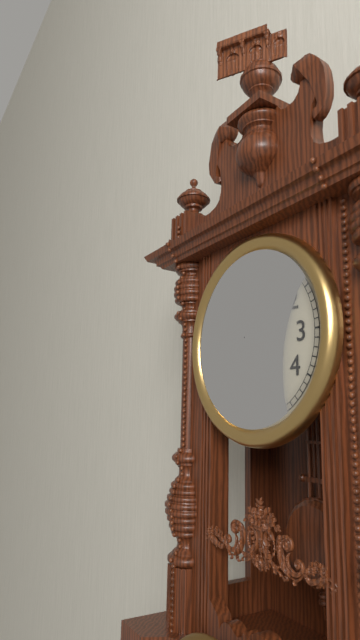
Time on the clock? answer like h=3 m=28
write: h=12 m=47
